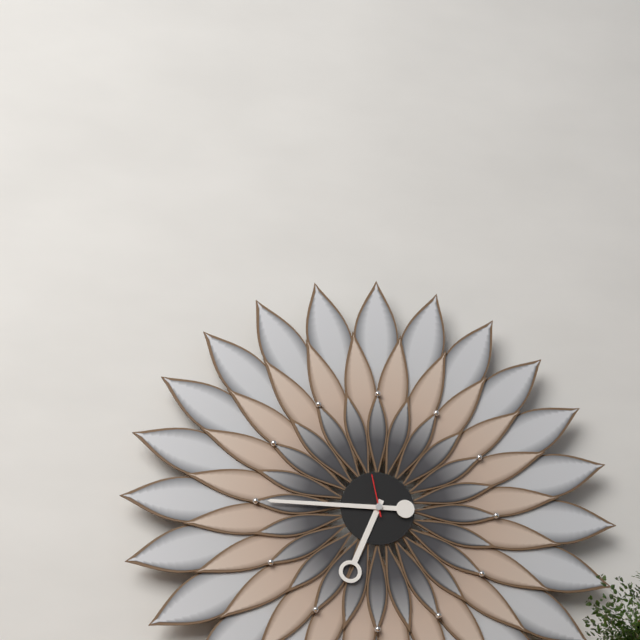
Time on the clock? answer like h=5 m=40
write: h=6 m=45
